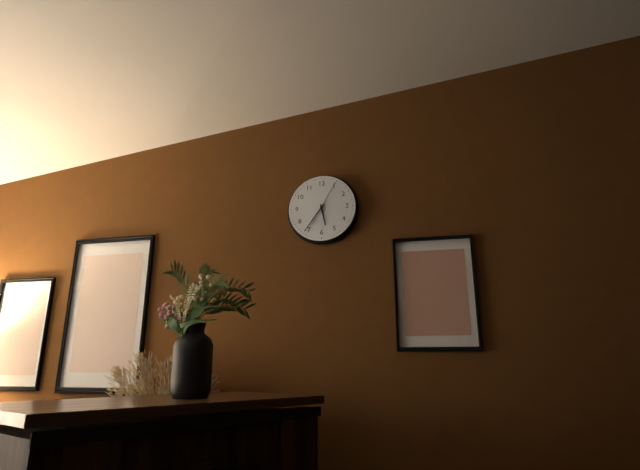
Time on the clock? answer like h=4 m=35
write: h=5 m=36
